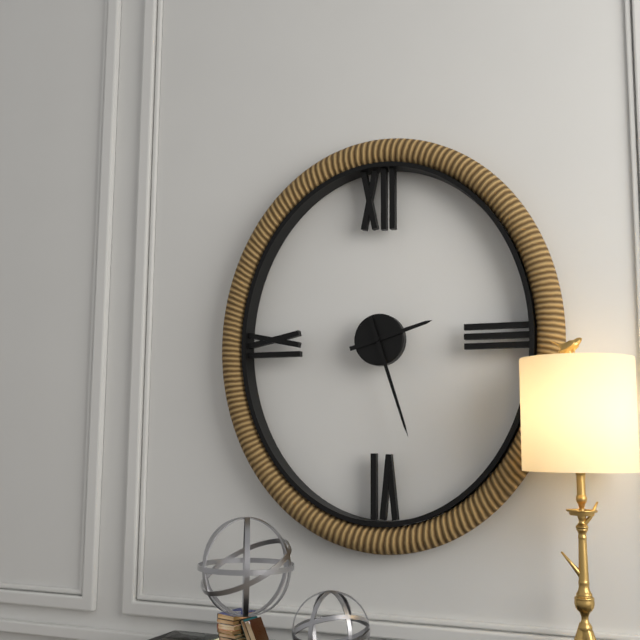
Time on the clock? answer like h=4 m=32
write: h=2 m=27
